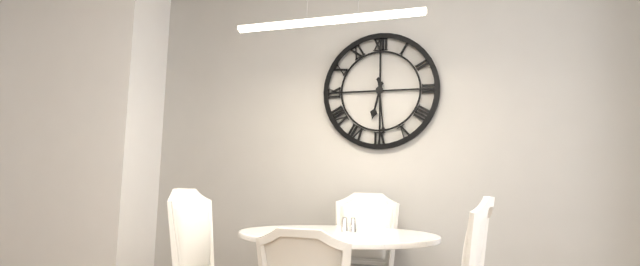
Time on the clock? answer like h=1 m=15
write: h=6 m=29
